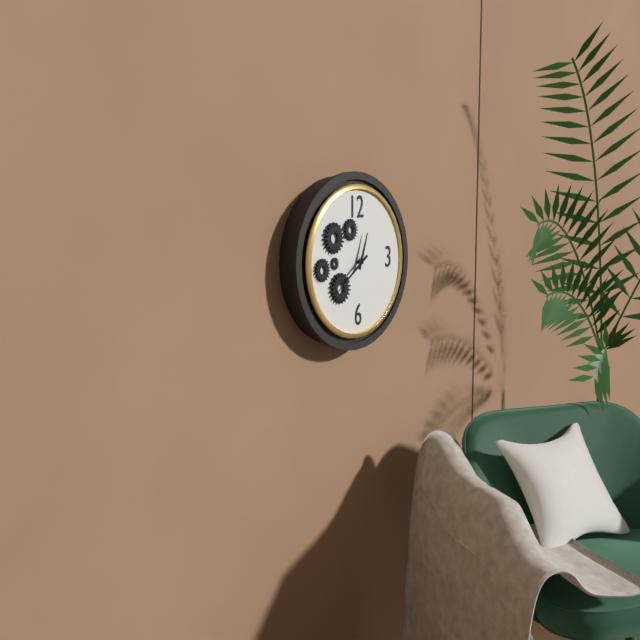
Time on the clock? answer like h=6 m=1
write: h=12 m=39
